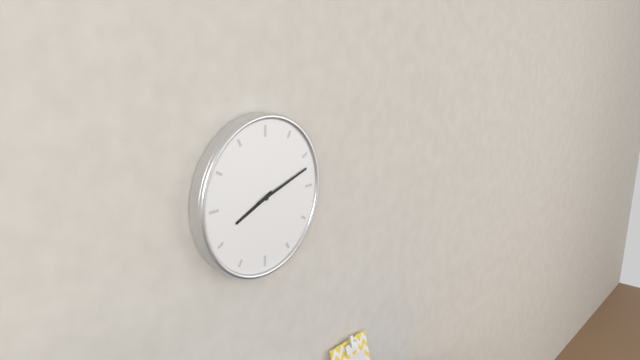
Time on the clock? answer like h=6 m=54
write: h=8 m=12
